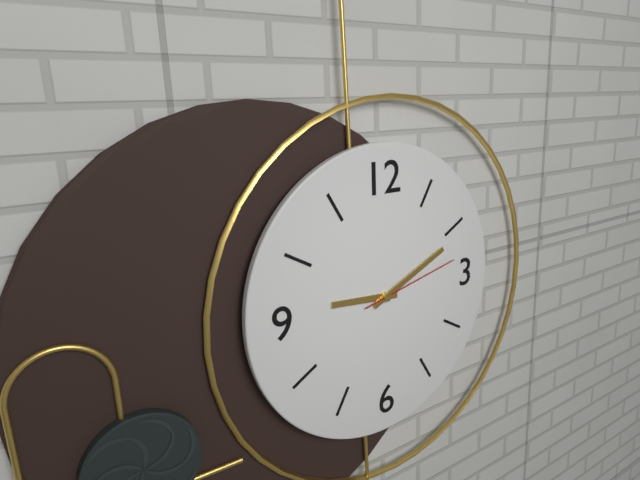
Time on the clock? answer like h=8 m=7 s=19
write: h=9 m=11 s=13
